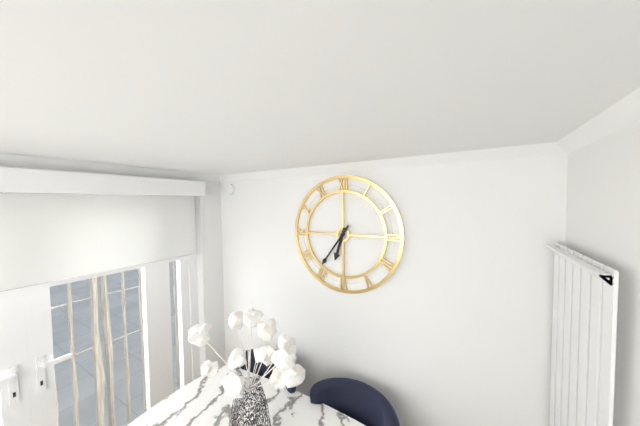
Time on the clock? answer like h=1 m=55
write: h=6 m=36
